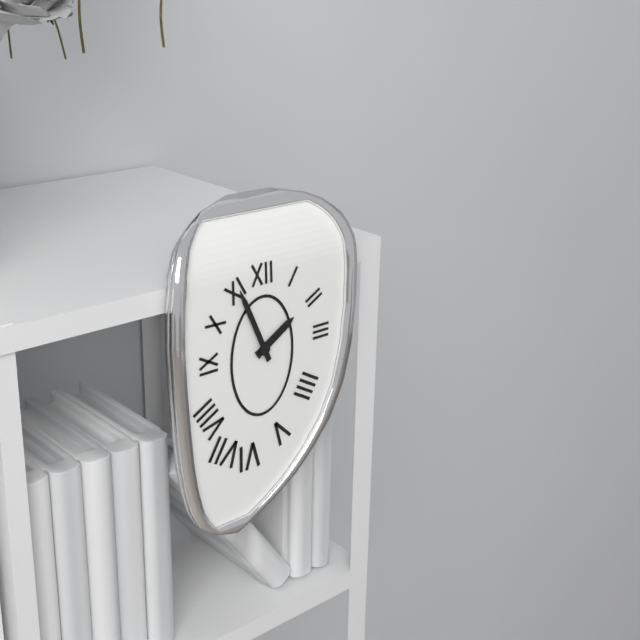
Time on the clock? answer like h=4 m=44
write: h=1 m=56
